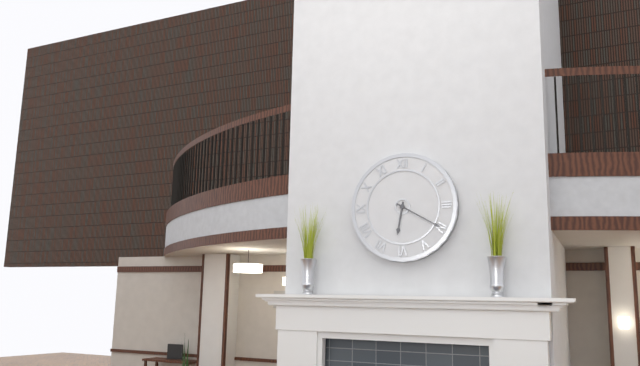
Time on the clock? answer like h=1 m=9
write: h=6 m=20
